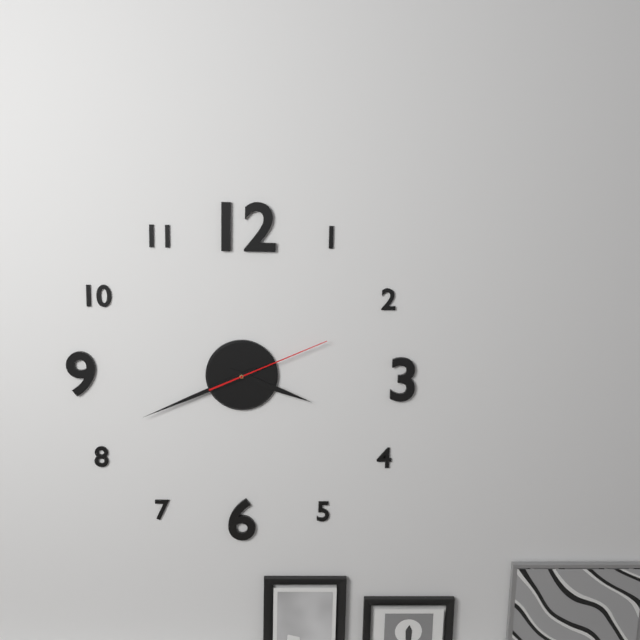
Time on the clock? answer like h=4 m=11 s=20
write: h=3 m=41 s=11
